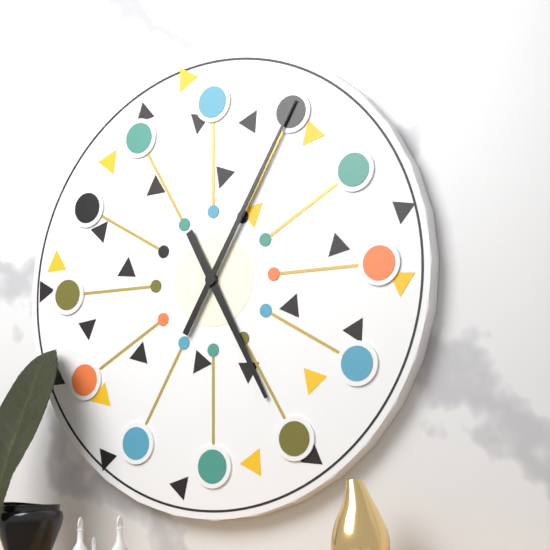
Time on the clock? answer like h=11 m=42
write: h=5 m=5
